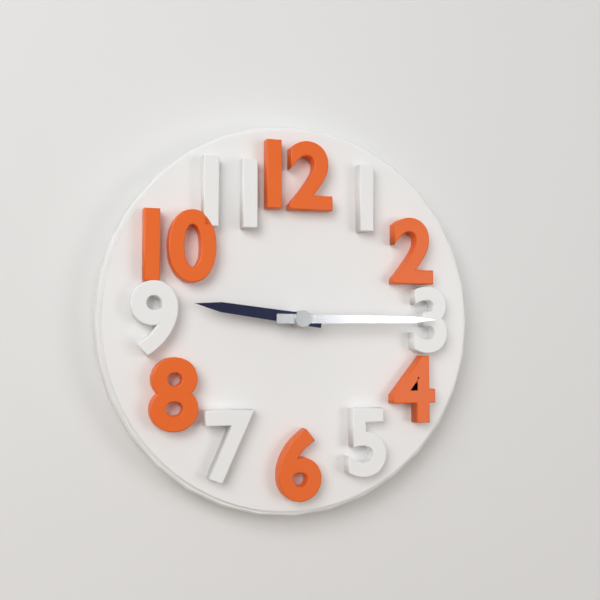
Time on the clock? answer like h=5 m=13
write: h=9 m=15
